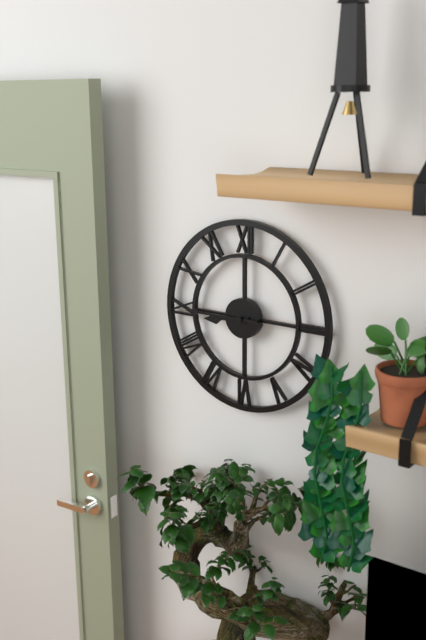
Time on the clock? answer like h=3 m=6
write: h=8 m=45
